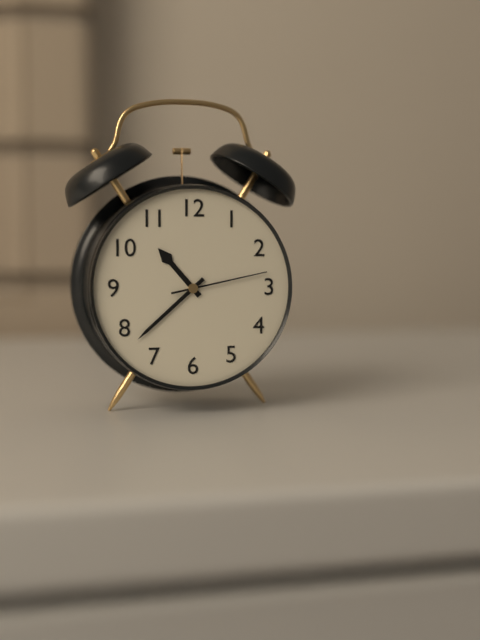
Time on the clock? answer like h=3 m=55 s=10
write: h=10 m=38 s=13
